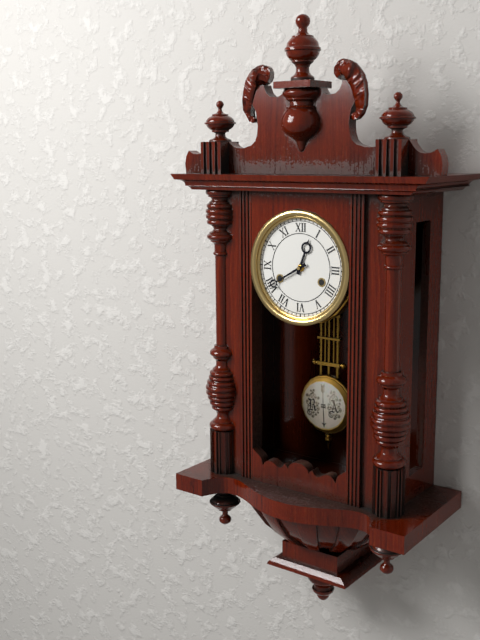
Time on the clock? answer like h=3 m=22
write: h=12 m=40
